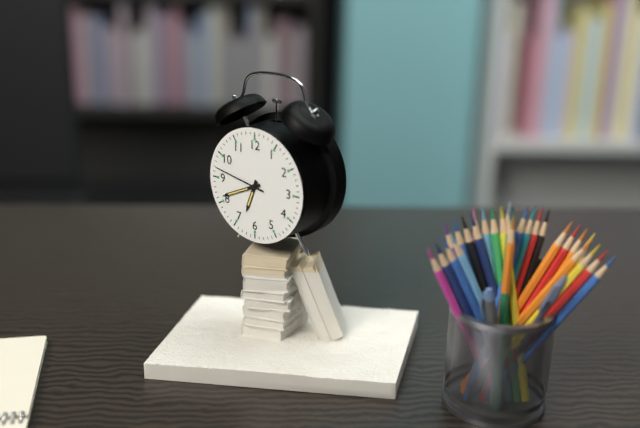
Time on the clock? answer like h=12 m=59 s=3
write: h=6 m=41 s=47
